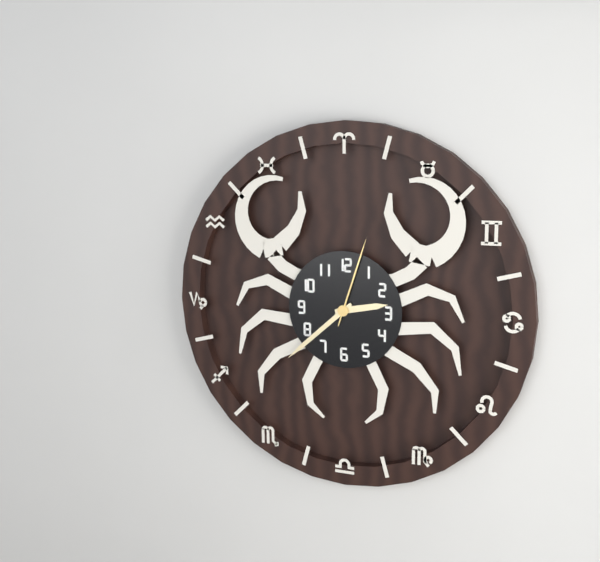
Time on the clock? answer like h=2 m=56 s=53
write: h=2 m=38 s=3
